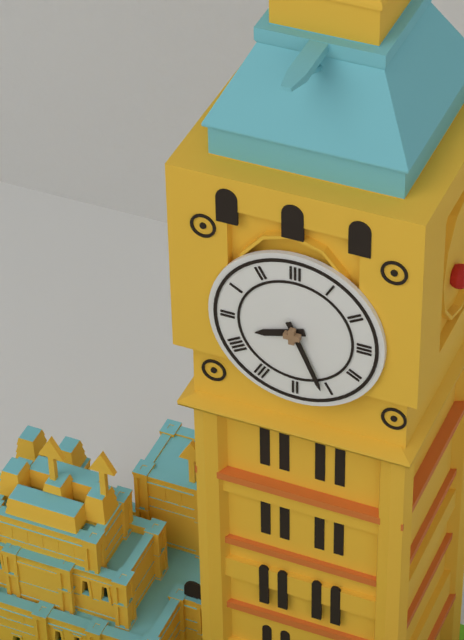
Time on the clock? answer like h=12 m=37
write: h=8 m=26
